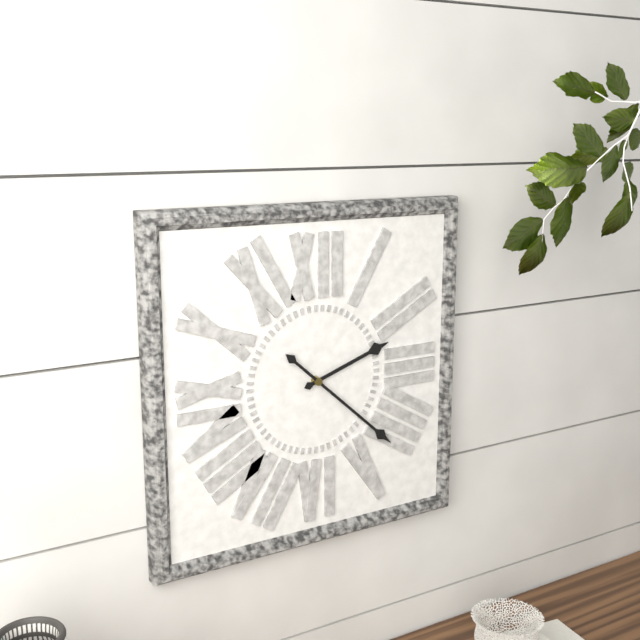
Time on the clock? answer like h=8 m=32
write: h=2 m=22
